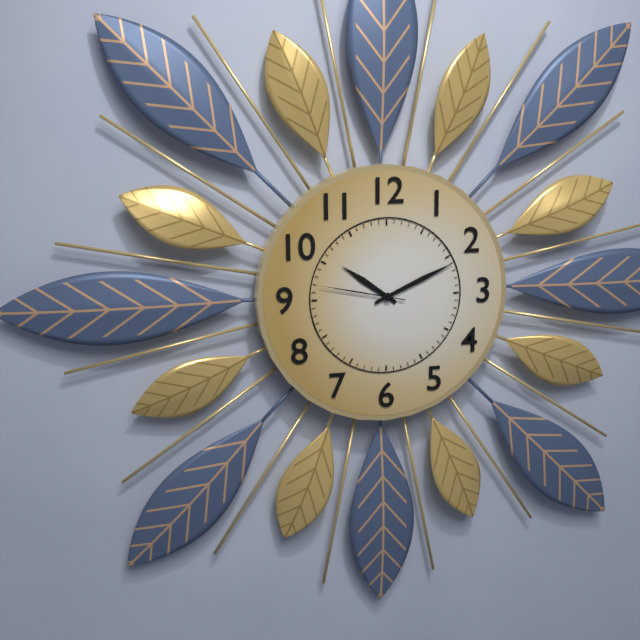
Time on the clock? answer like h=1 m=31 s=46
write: h=10 m=11 s=47
